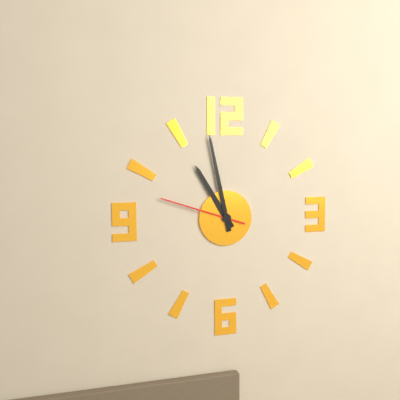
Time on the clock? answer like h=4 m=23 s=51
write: h=10 m=58 s=48
